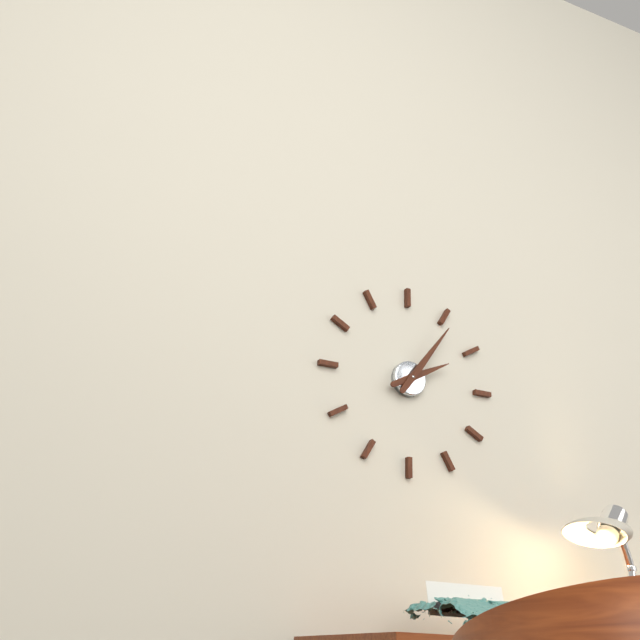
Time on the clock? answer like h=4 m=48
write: h=2 m=6
